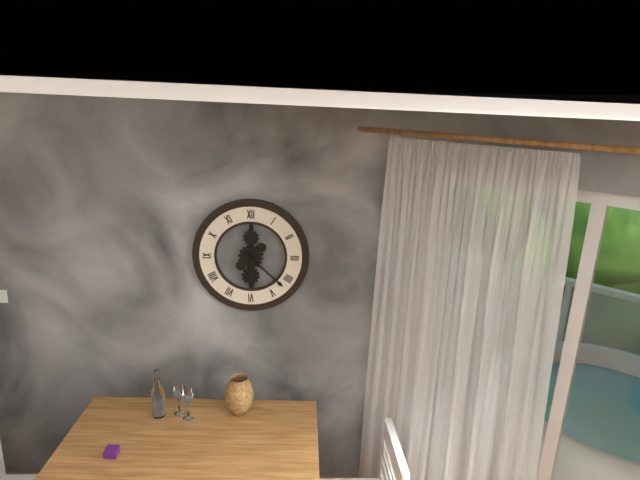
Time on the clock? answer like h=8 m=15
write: h=6 m=22
